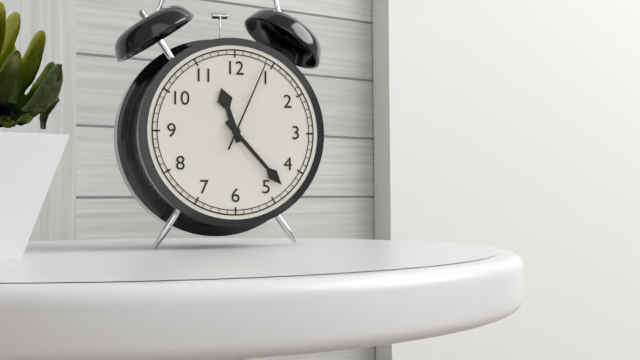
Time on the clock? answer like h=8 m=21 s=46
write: h=11 m=23 s=4
